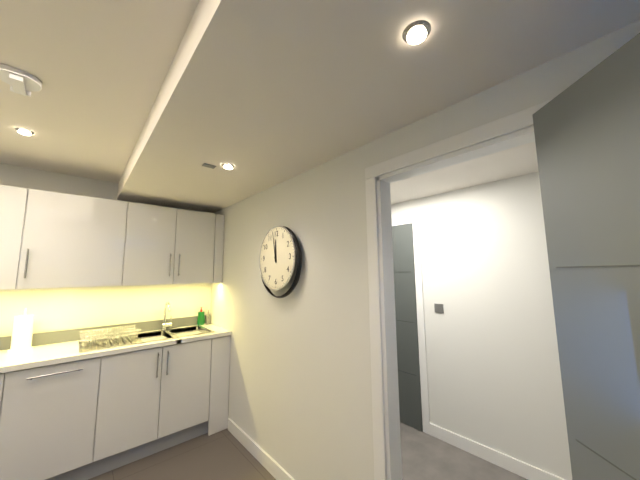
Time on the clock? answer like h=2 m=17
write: h=11 m=58
